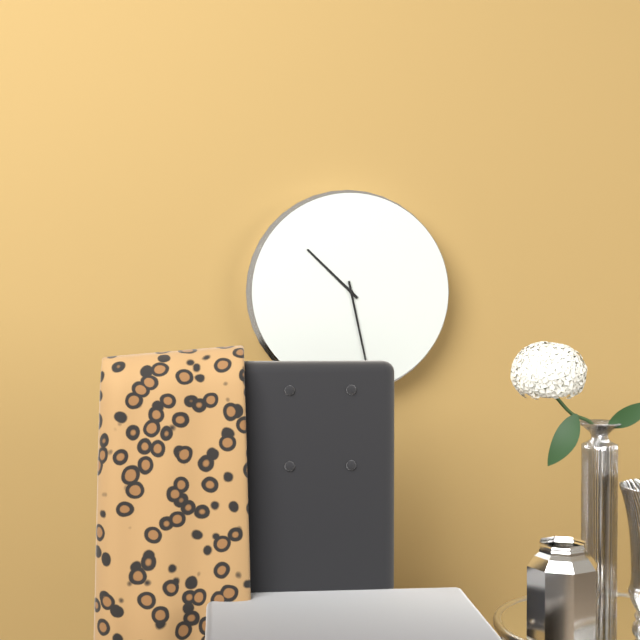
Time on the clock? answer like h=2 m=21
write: h=10 m=28
